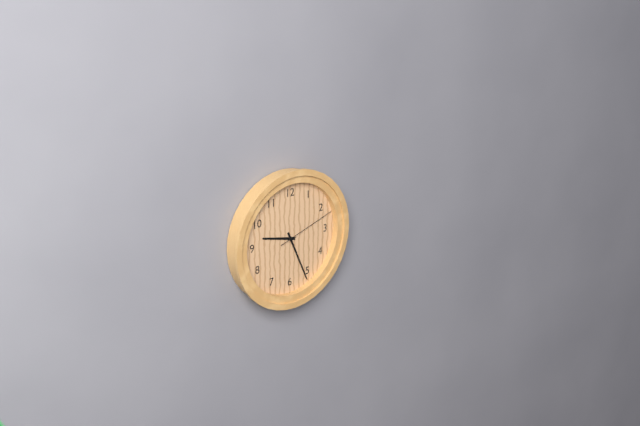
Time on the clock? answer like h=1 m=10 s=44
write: h=9 m=26 s=12
